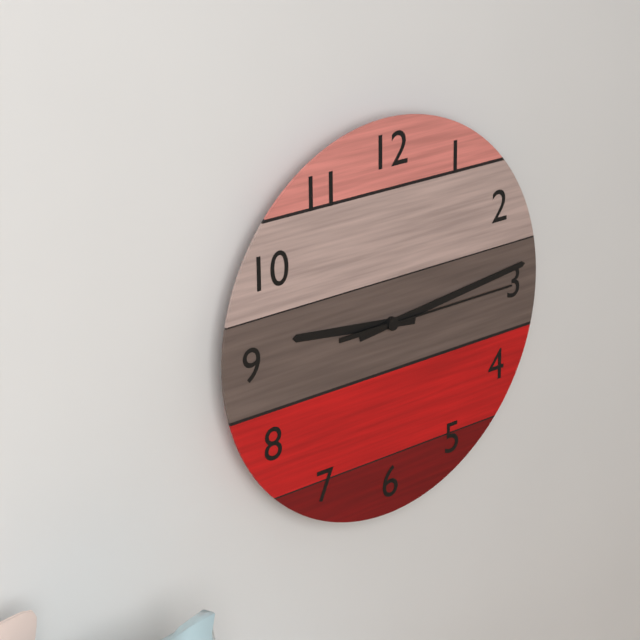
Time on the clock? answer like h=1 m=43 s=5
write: h=9 m=14 s=15
